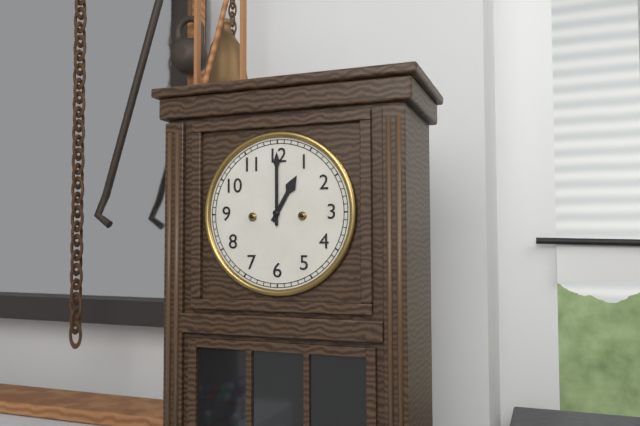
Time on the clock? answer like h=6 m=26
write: h=1 m=0
